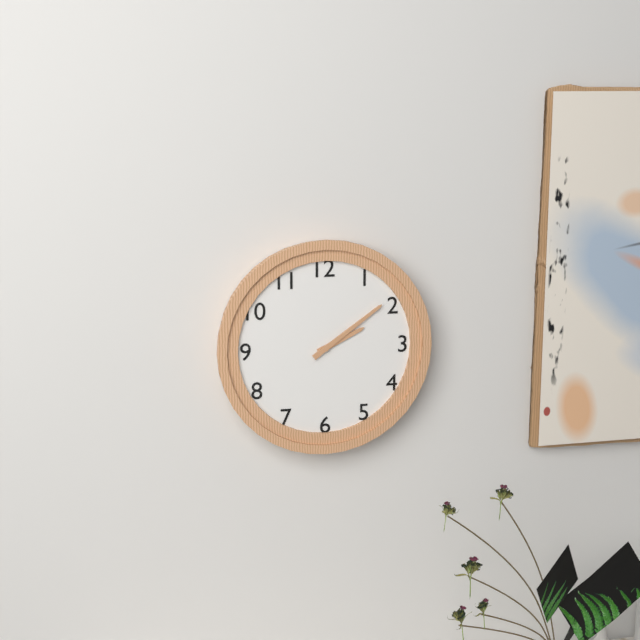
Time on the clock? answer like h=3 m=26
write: h=2 m=9
